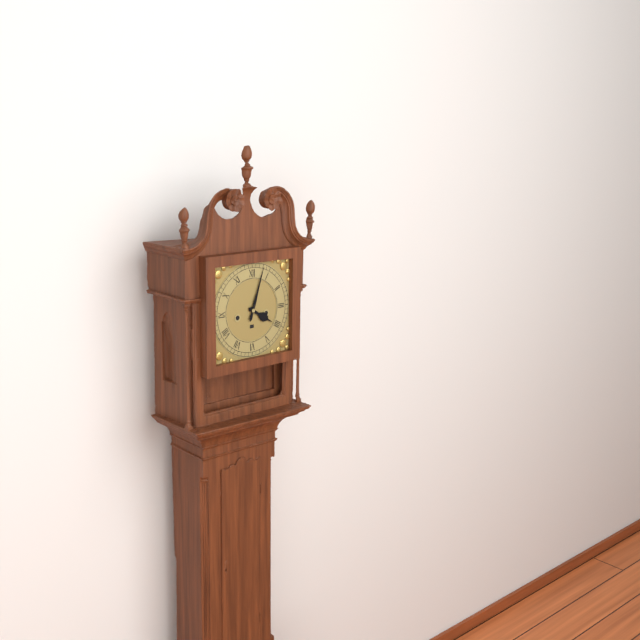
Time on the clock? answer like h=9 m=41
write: h=4 m=3
